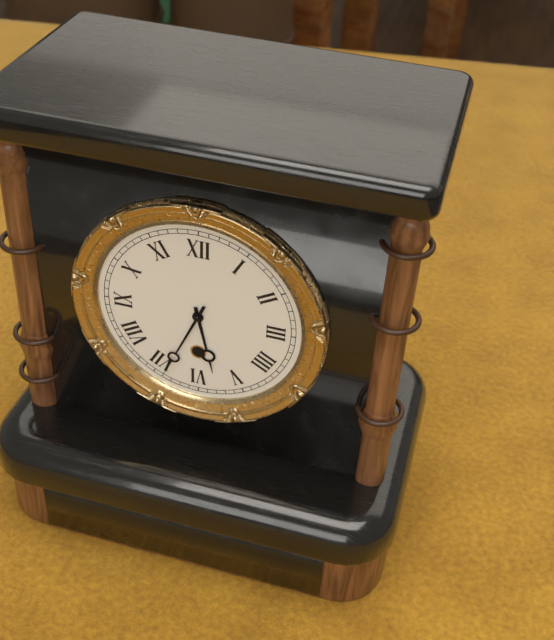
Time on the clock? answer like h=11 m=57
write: h=5 m=34
